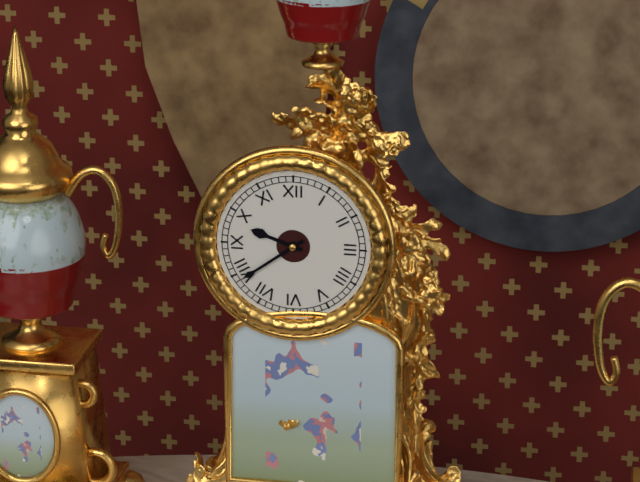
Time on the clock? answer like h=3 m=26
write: h=9 m=39
